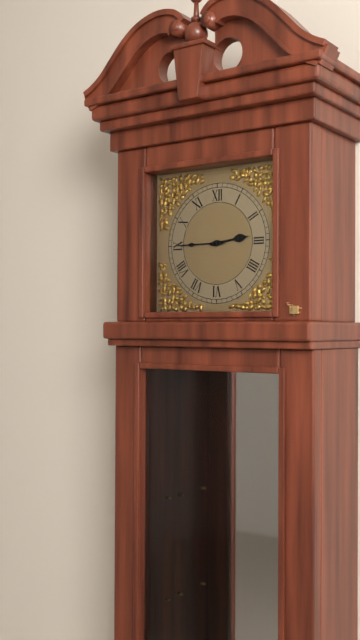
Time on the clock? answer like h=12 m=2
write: h=2 m=45
